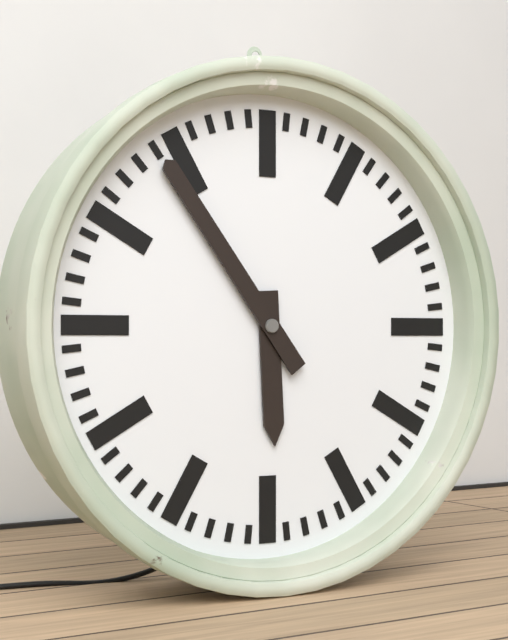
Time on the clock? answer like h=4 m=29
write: h=5 m=54
